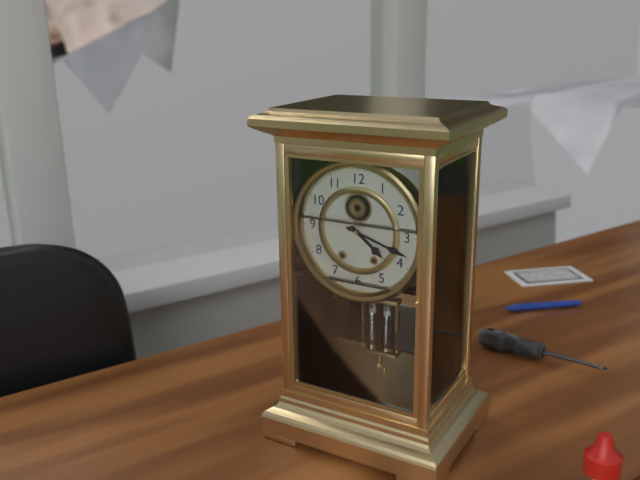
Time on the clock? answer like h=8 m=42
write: h=4 m=18
